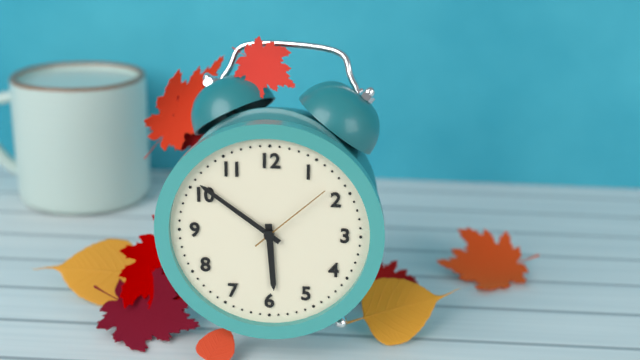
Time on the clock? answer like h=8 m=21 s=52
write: h=5 m=51 s=8
